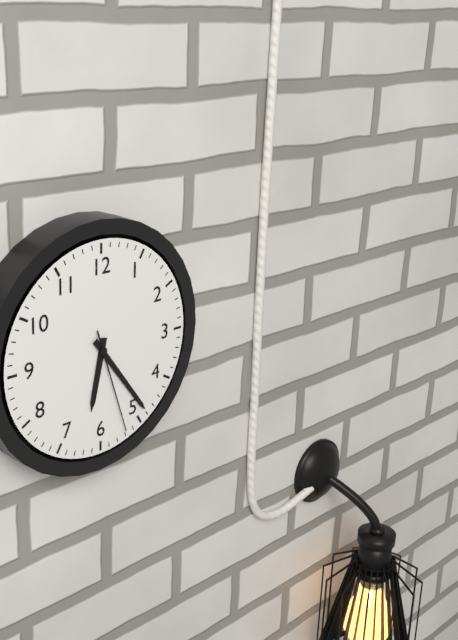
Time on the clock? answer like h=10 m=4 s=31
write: h=6 m=24 s=27
